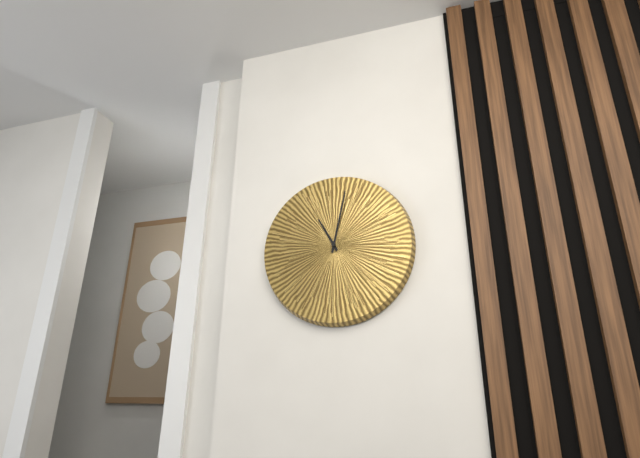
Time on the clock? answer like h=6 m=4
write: h=11 m=2
